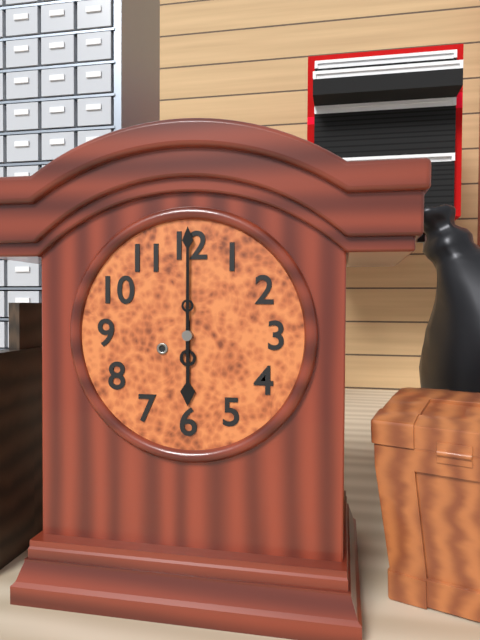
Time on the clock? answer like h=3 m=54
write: h=6 m=0
